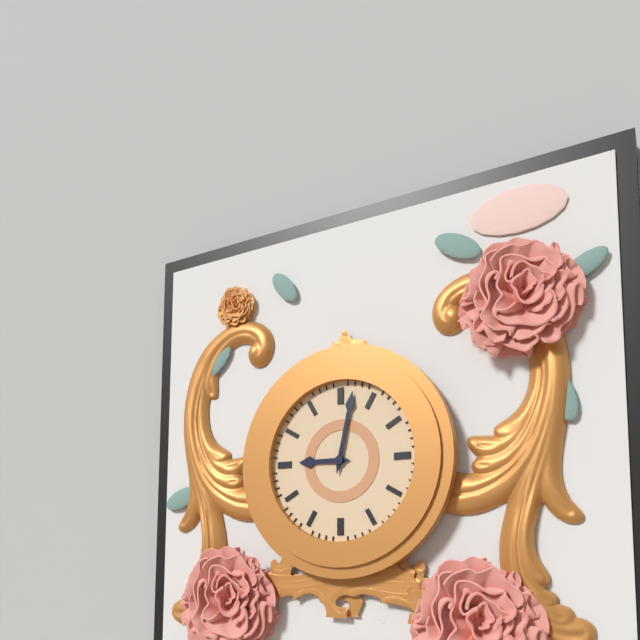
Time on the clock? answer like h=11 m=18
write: h=9 m=2
